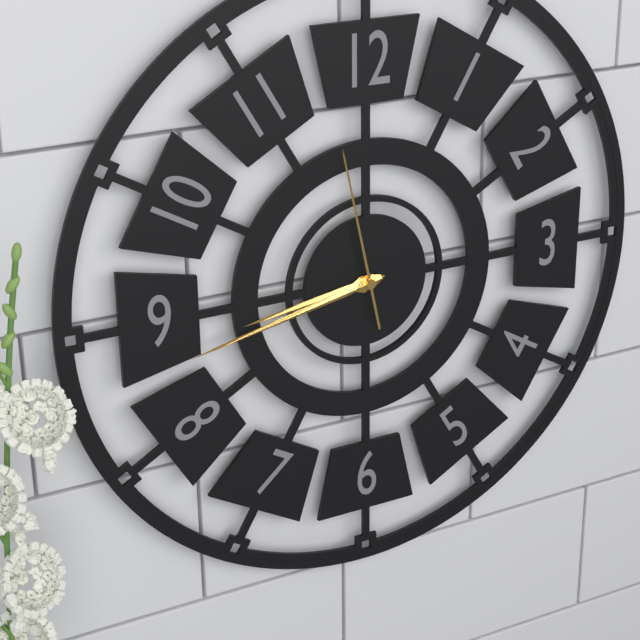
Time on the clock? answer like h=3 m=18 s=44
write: h=8 m=43 s=58
